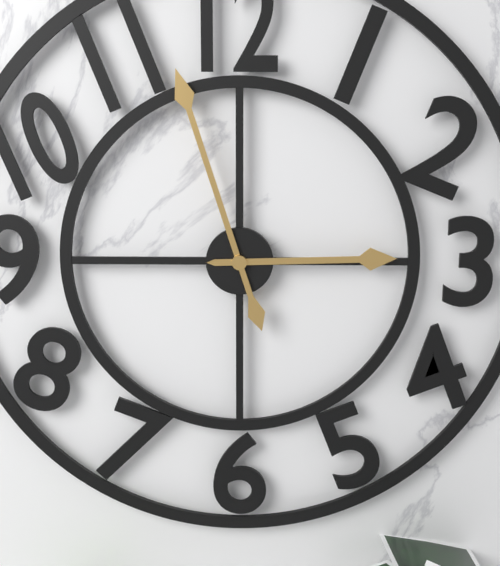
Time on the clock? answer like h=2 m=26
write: h=2 m=57
